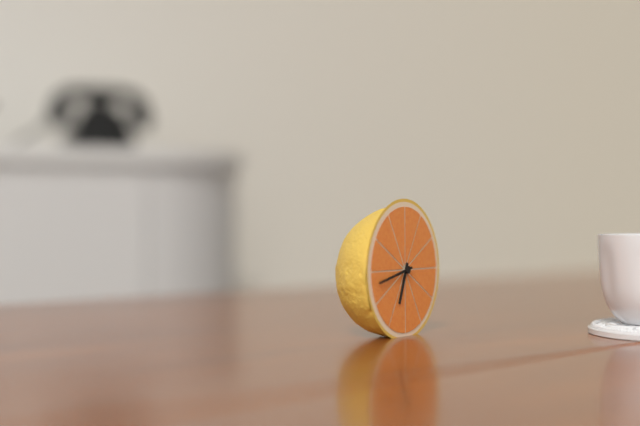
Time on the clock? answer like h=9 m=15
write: h=6 m=43
